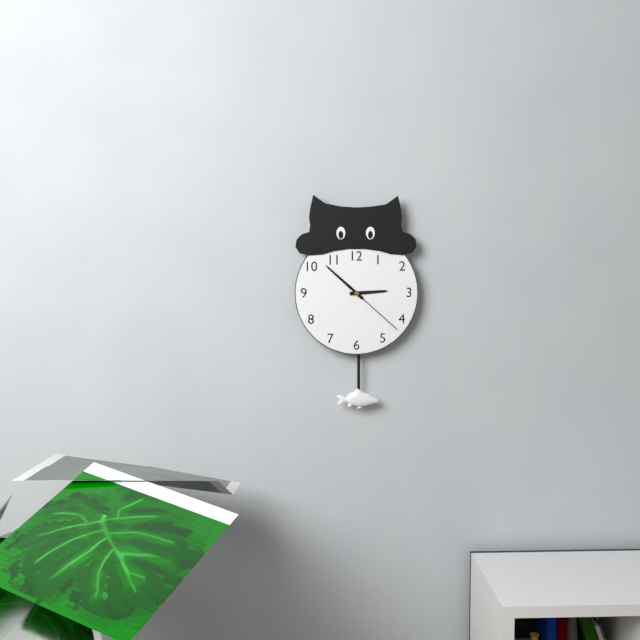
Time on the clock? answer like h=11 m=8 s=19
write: h=2 m=52 s=22
